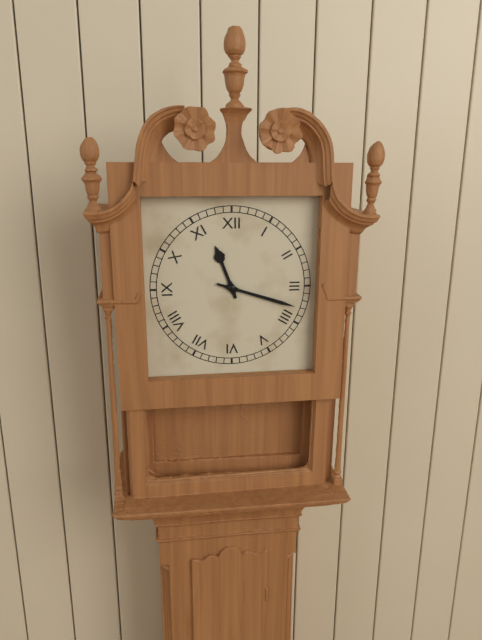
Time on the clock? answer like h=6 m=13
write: h=11 m=18
